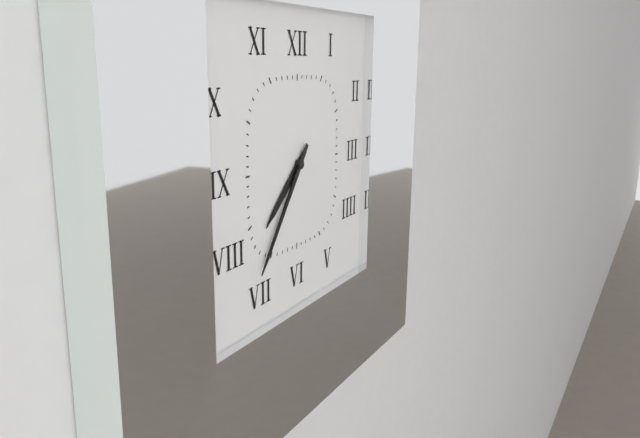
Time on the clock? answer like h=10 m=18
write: h=7 m=36
